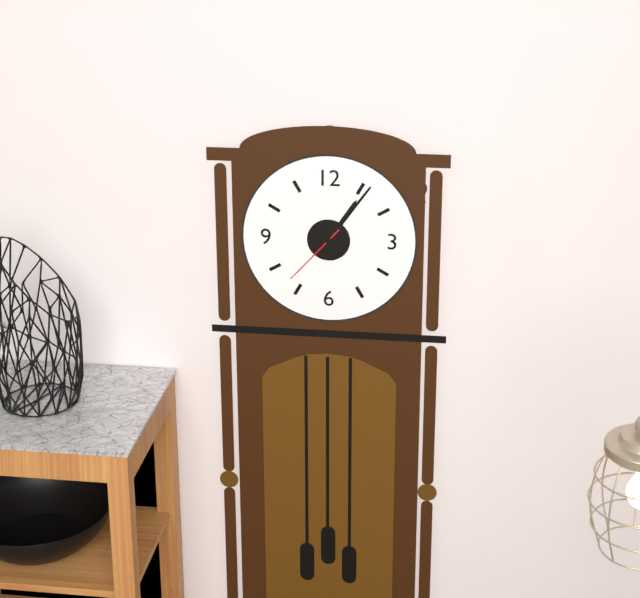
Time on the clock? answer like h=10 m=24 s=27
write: h=1 m=6 s=37
